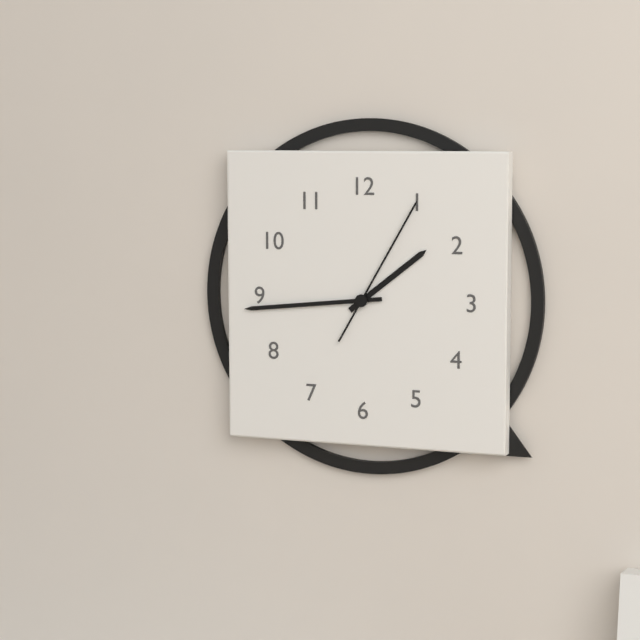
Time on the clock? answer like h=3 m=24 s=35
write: h=1 m=44 s=5
